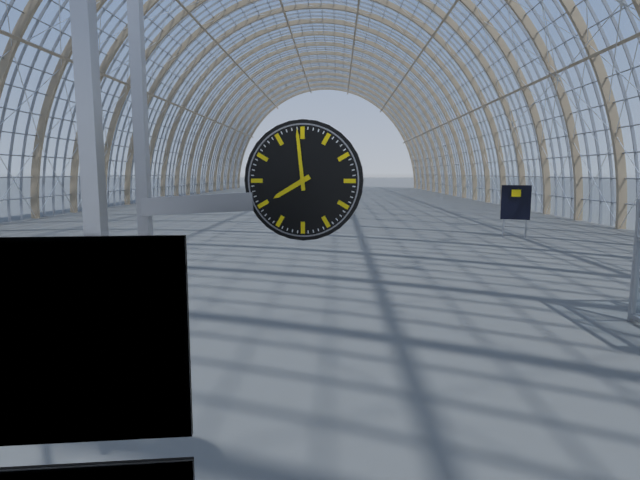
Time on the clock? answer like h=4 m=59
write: h=7 m=59
